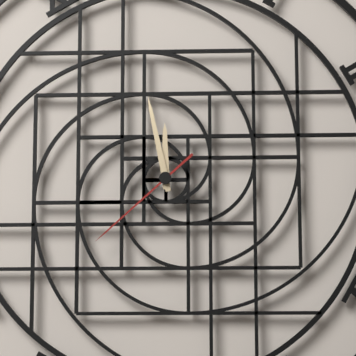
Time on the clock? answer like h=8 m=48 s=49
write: h=11 m=58 s=38
